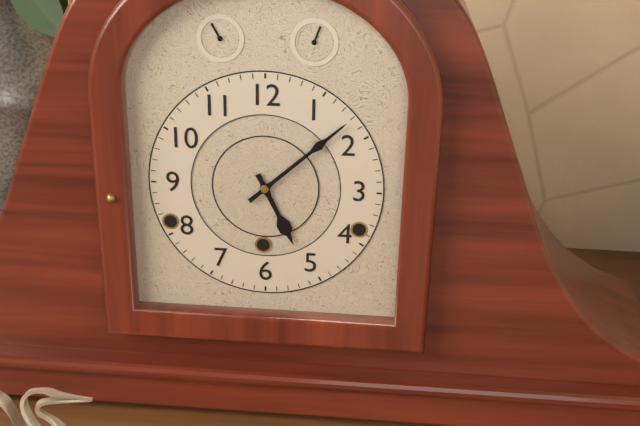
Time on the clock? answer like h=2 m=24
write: h=5 m=8
